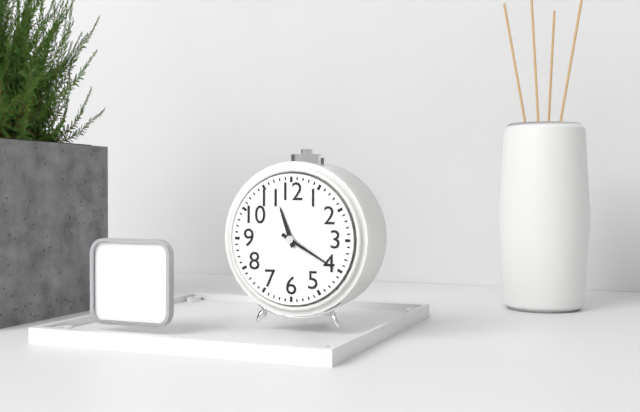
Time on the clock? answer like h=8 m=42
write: h=11 m=20
